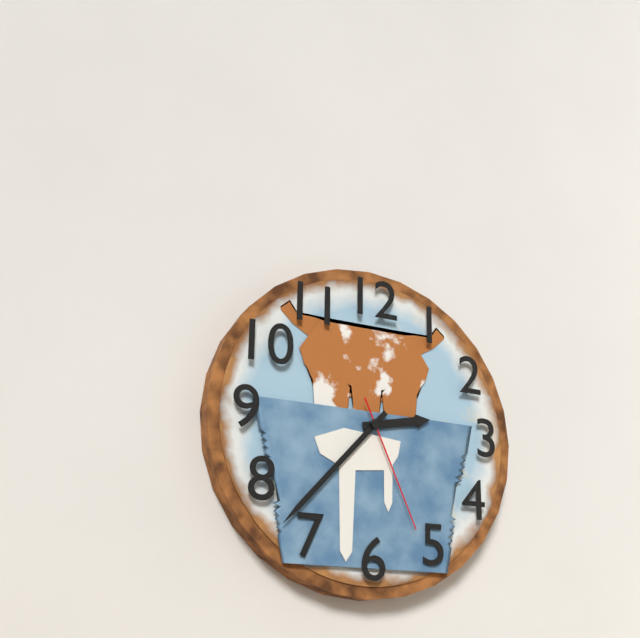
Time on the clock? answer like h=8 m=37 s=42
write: h=2 m=37 s=26
